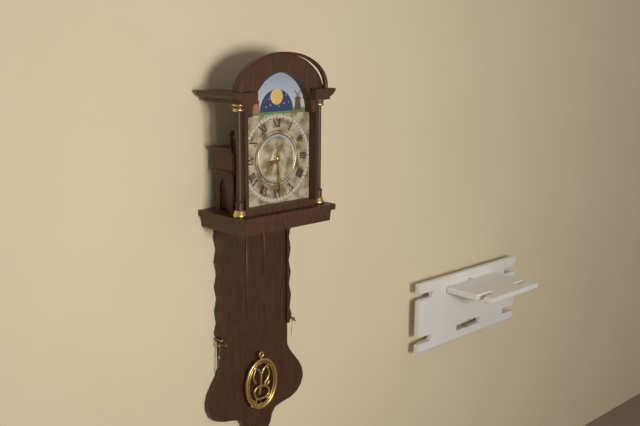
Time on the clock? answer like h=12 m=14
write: h=7 m=29
